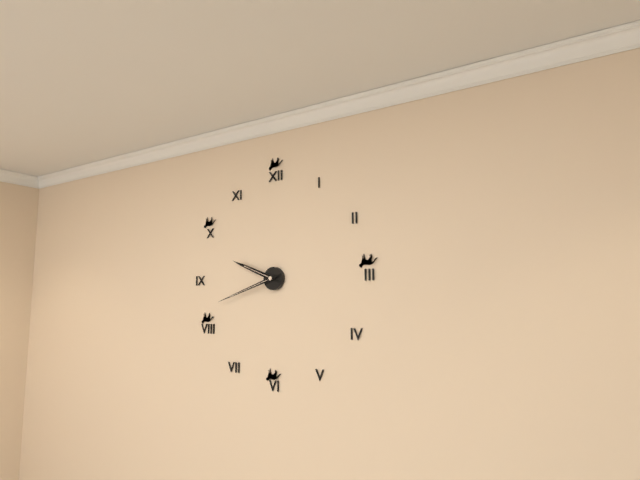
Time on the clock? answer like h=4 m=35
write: h=9 m=42
